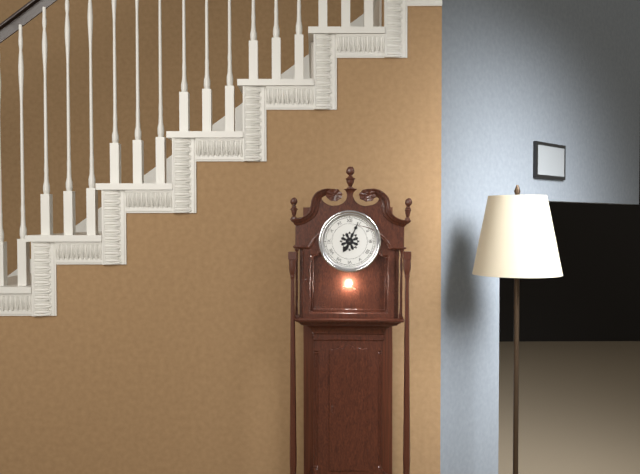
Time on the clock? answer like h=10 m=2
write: h=7 m=4
